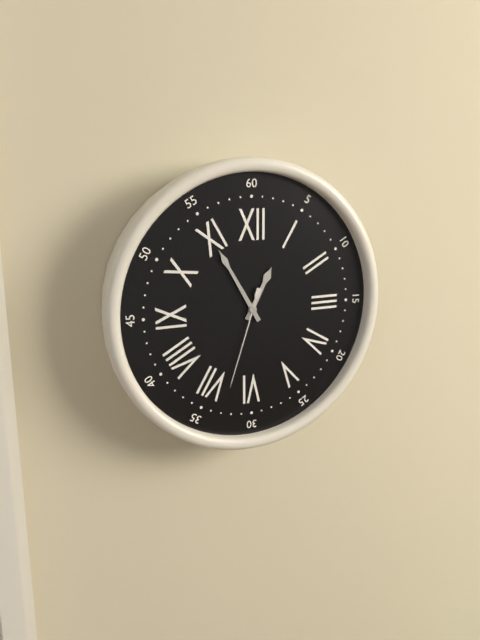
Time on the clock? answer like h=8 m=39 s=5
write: h=12 m=55 s=33
